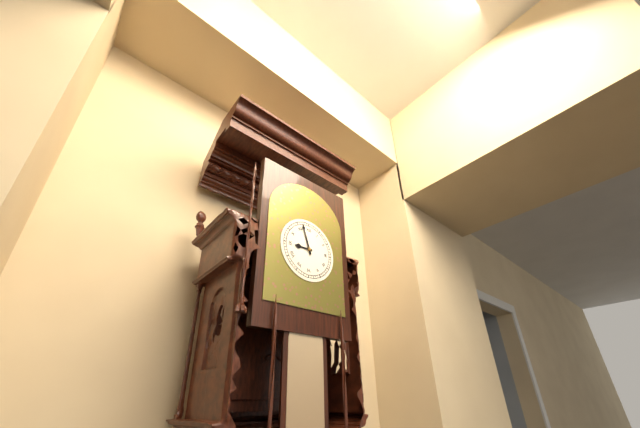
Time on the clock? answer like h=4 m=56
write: h=8 m=57
